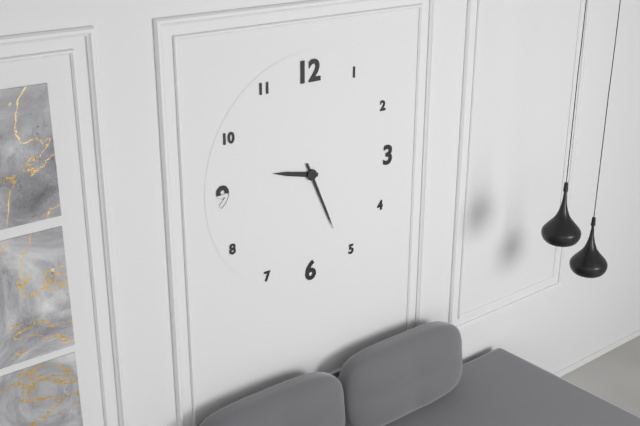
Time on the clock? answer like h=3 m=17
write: h=9 m=26
